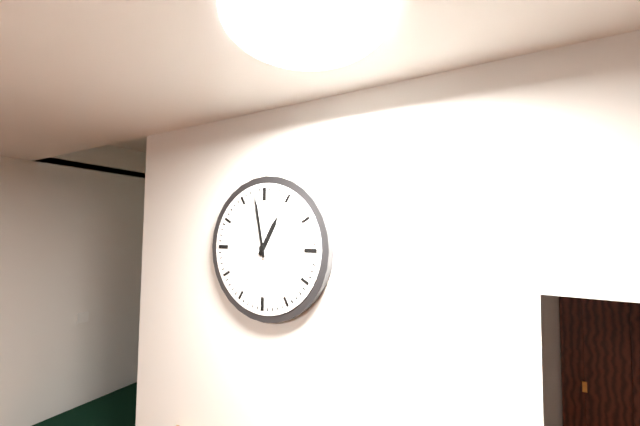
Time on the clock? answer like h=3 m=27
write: h=12 m=58
